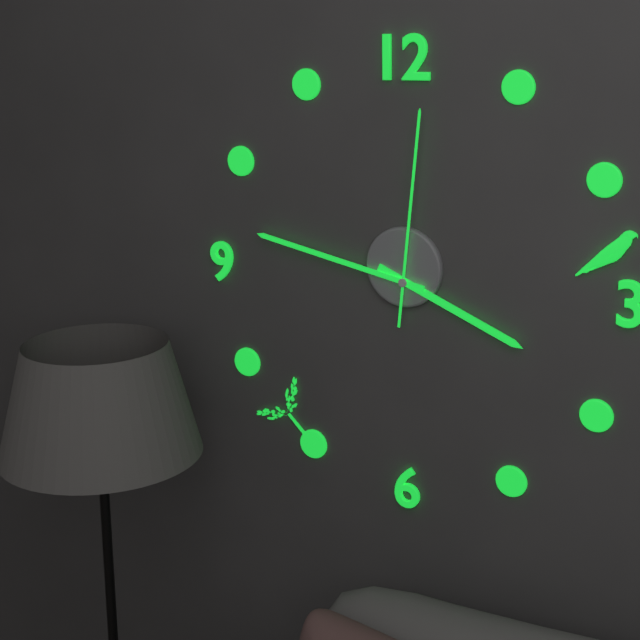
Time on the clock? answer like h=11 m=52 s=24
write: h=3 m=47 s=1
